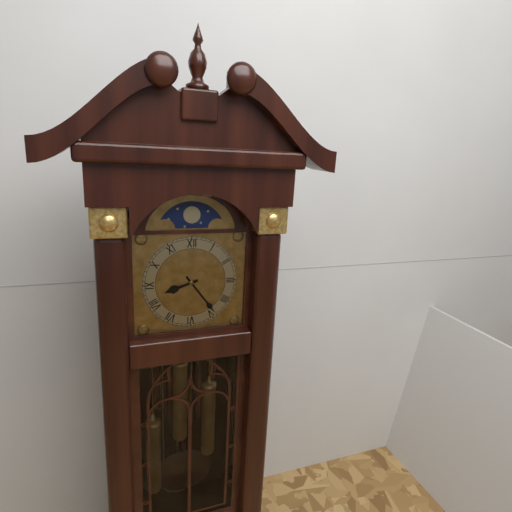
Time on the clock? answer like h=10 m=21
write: h=8 m=24
